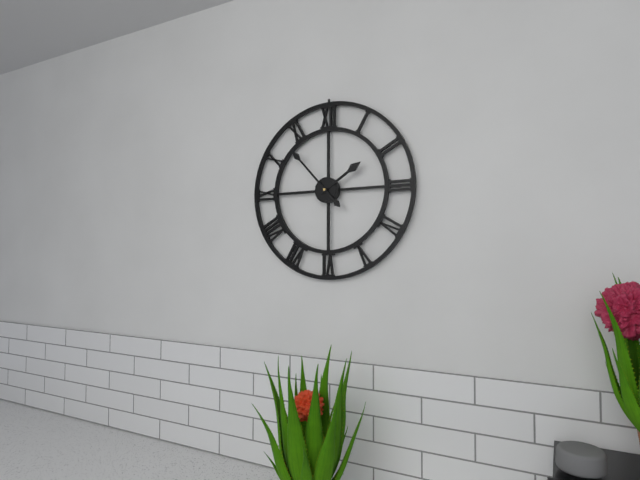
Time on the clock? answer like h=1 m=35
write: h=1 m=53
